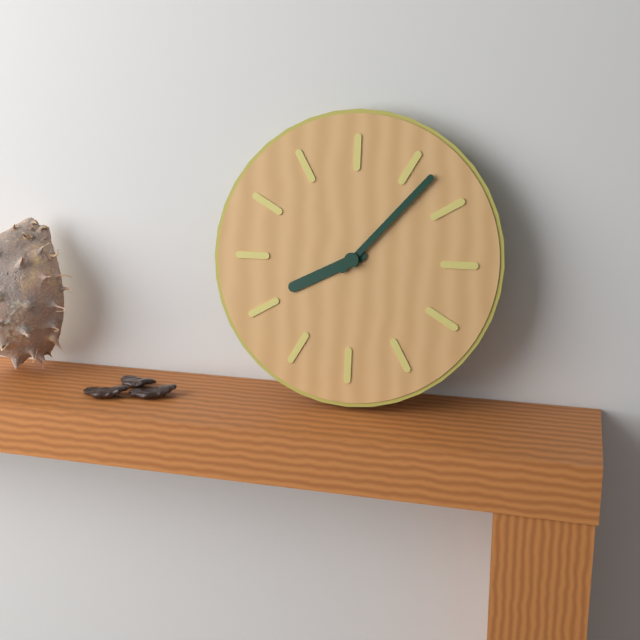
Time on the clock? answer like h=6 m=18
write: h=8 m=7
